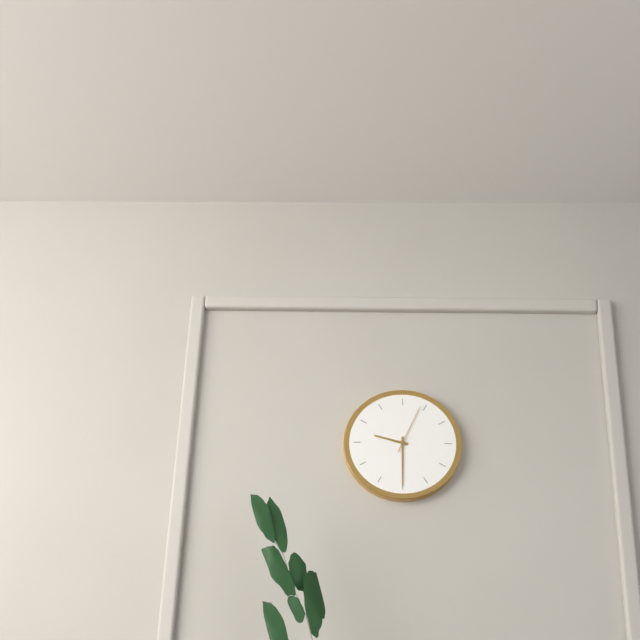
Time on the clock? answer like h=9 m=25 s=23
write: h=9 m=30 s=4
